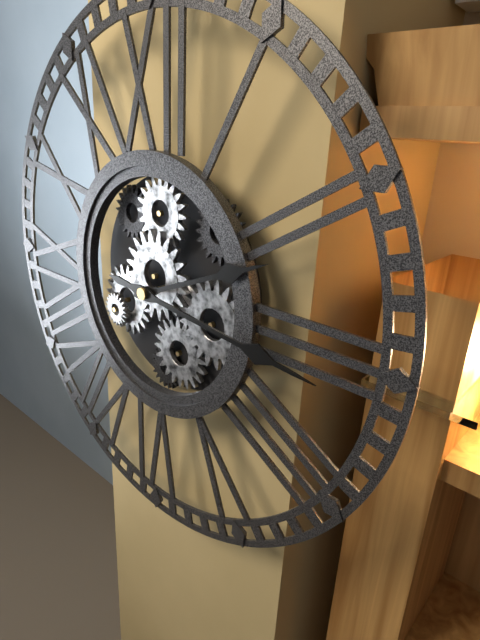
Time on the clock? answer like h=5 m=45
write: h=2 m=16
